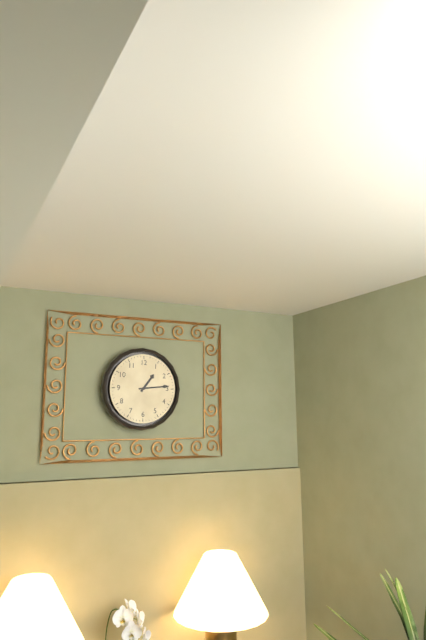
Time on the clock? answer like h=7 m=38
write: h=1 m=14
